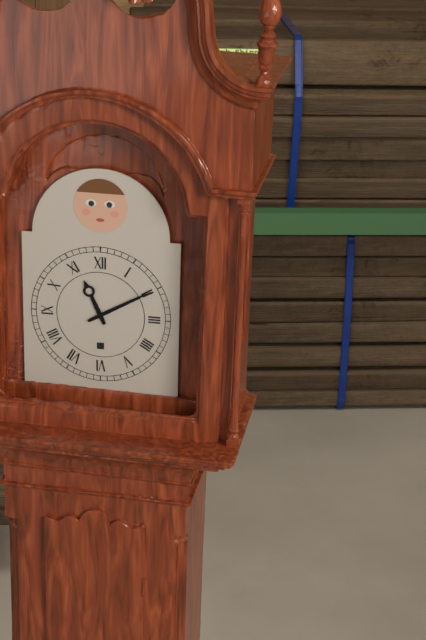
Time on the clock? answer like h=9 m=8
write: h=11 m=10
